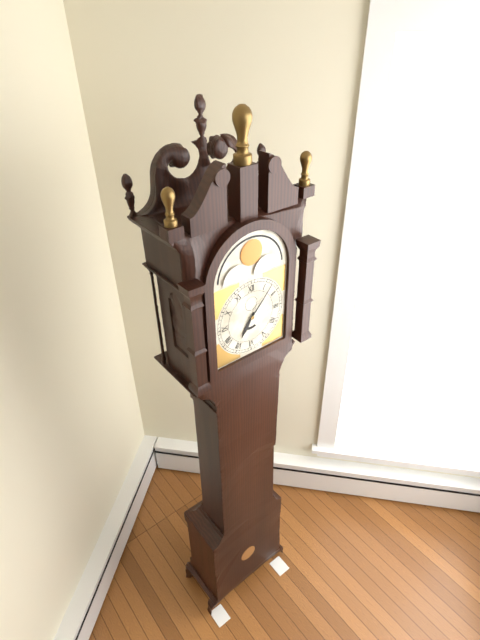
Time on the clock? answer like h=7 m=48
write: h=7 m=7
